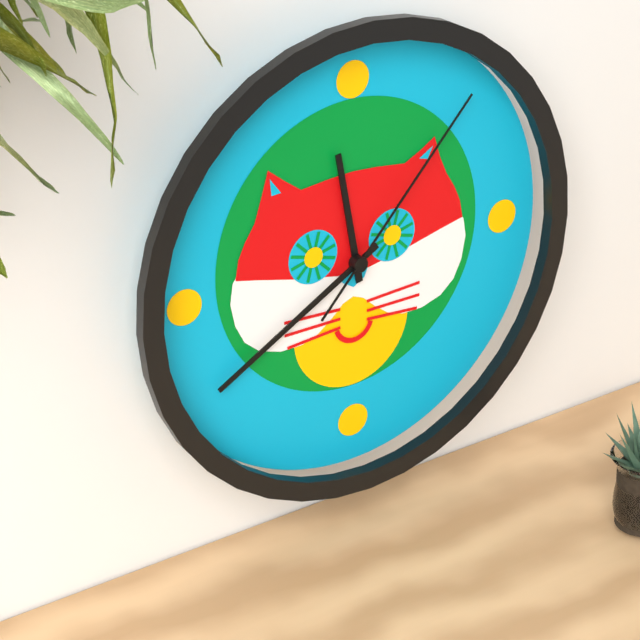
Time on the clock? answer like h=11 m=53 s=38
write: h=11 m=40 s=7
